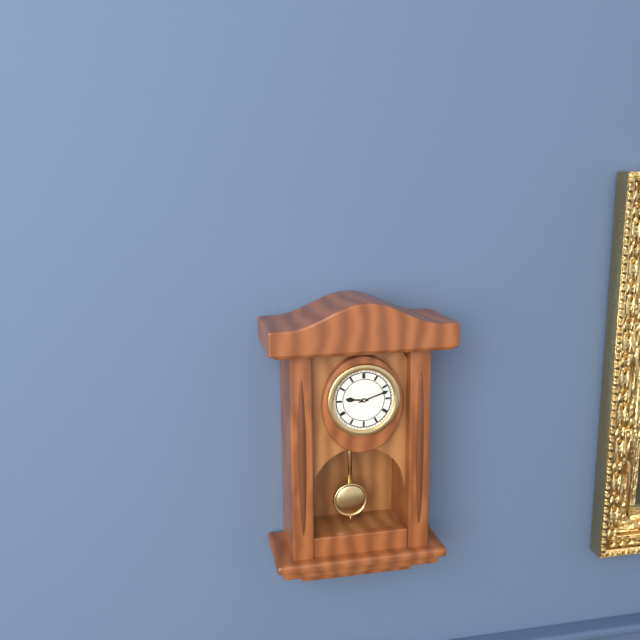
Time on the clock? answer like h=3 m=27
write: h=9 m=12
